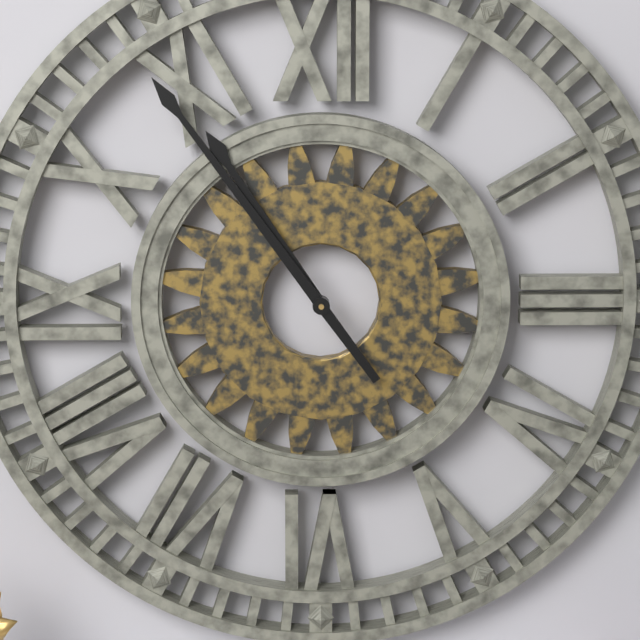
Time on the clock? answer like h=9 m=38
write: h=10 m=54
